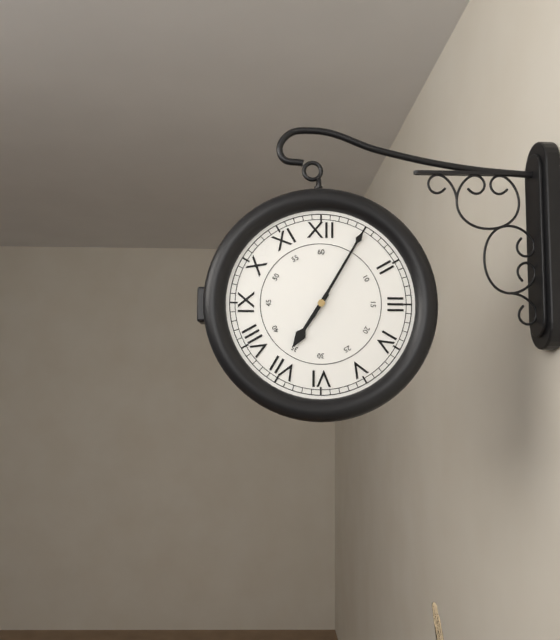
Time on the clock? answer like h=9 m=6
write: h=7 m=5
